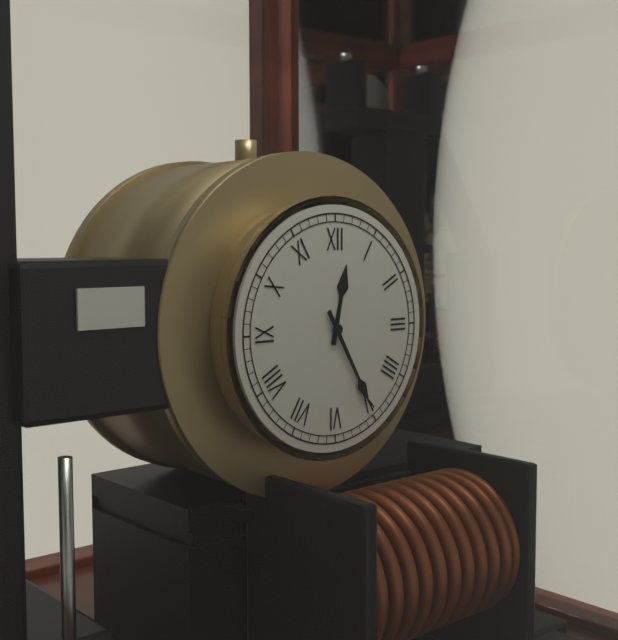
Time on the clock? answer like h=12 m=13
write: h=12 m=25
